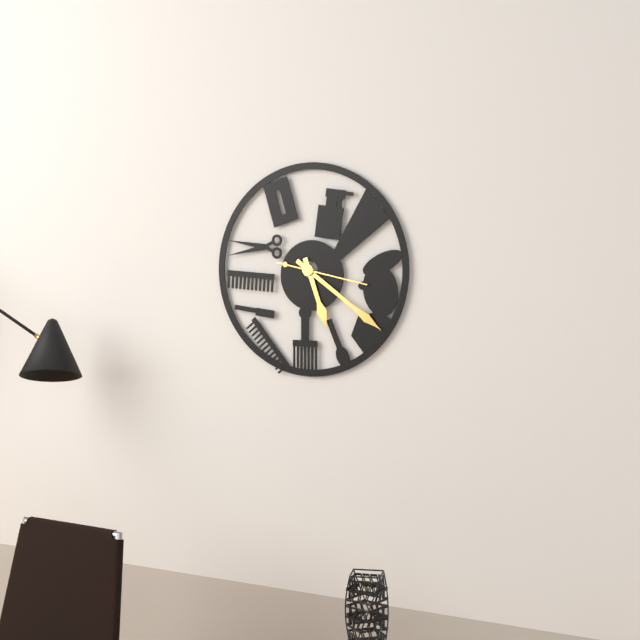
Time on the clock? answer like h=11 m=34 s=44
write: h=5 m=21 s=17
